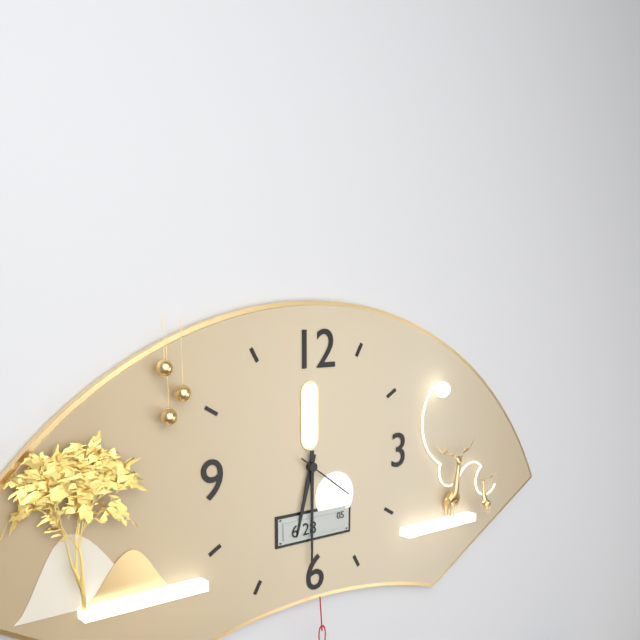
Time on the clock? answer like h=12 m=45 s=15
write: h=6 m=30 s=21
